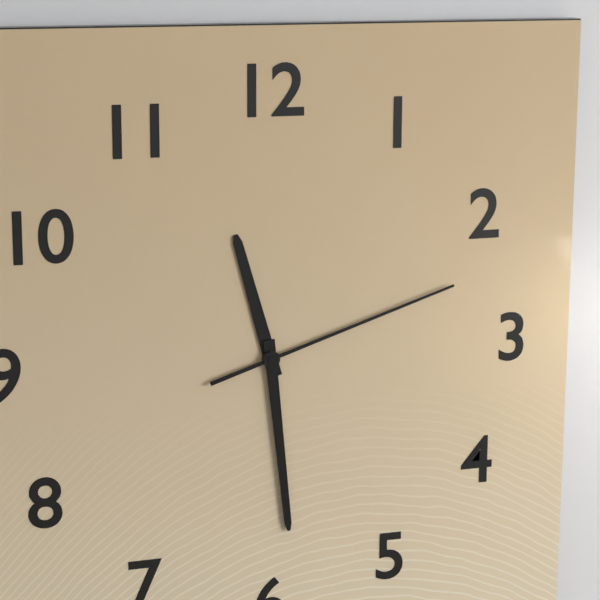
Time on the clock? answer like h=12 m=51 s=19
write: h=11 m=29 s=12
